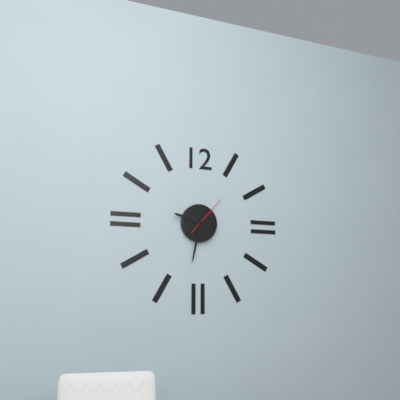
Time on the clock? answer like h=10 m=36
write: h=9 m=32
